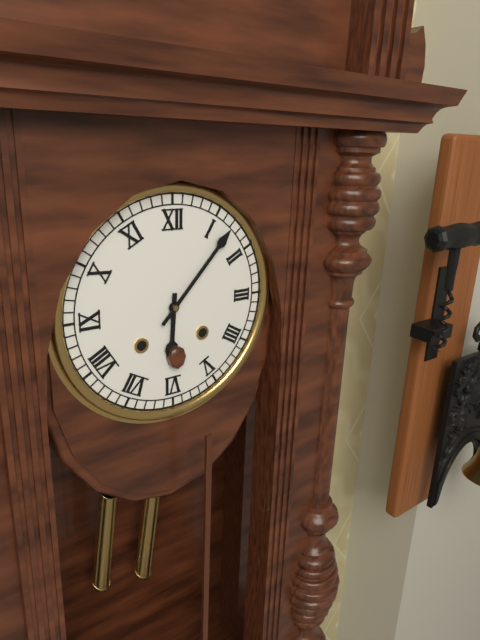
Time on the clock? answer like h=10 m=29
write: h=6 m=7
